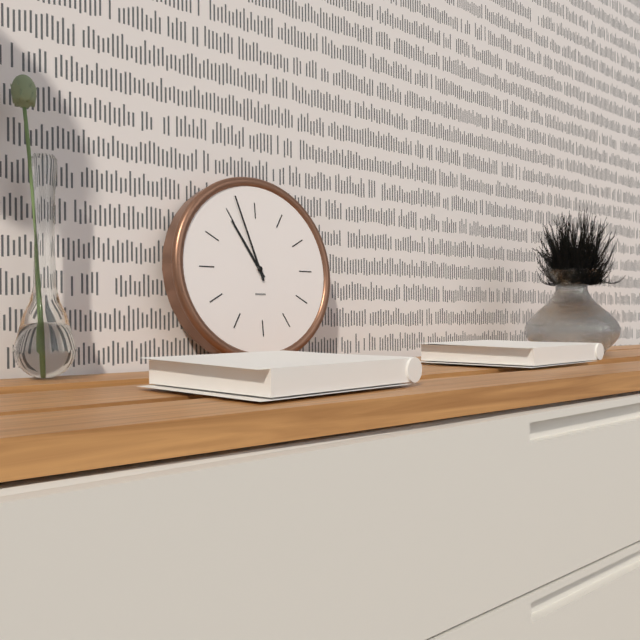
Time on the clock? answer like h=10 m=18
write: h=10 m=57
